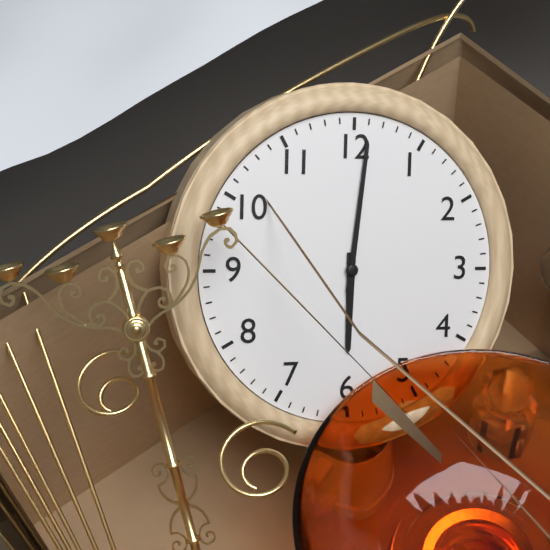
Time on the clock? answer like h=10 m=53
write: h=6 m=1
